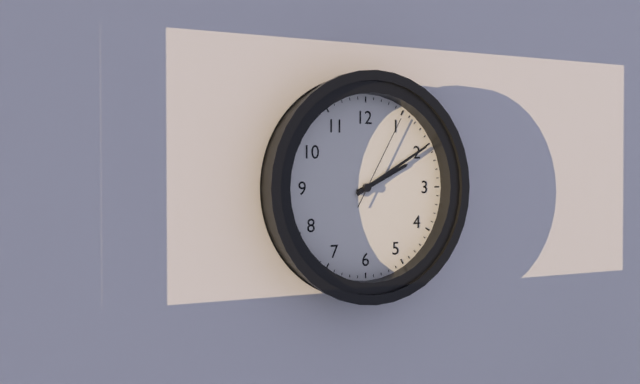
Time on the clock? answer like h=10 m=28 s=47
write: h=2 m=10 s=5
